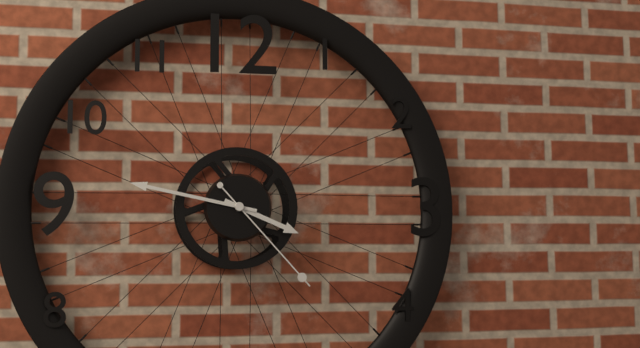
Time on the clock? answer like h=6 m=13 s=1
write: h=3 m=47 s=23
